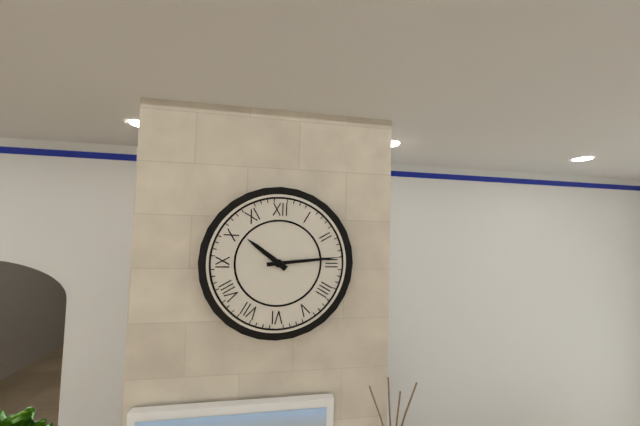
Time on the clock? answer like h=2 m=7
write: h=10 m=14
